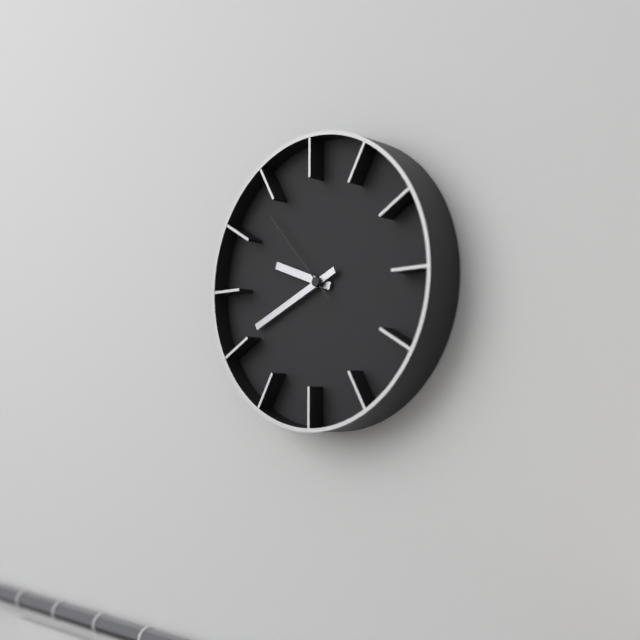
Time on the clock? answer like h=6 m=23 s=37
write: h=9 m=41 s=53
